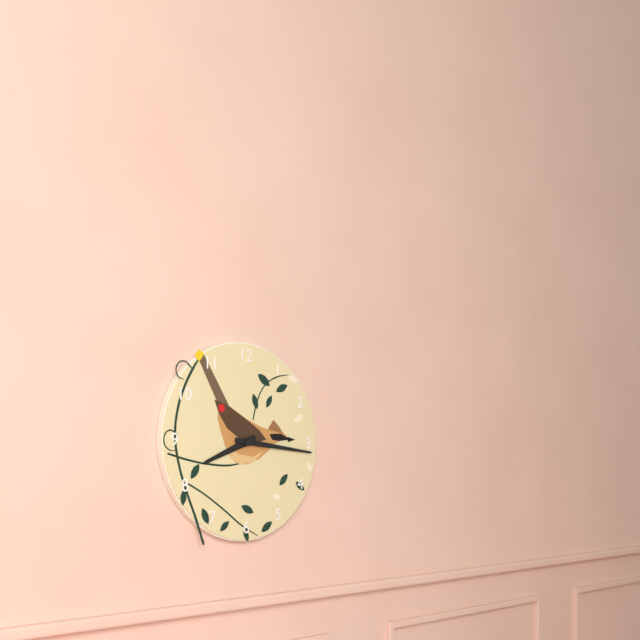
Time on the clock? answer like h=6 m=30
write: h=8 m=16
